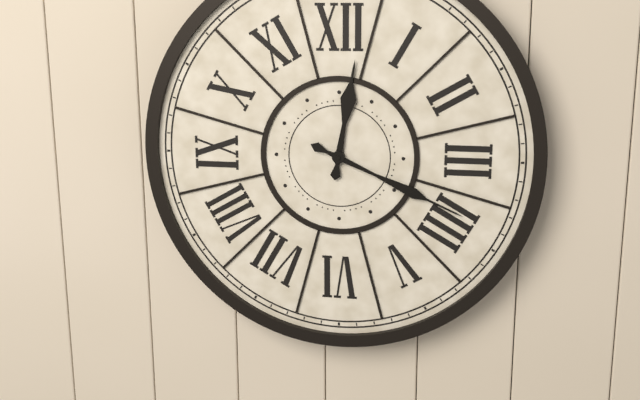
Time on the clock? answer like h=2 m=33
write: h=12 m=19
